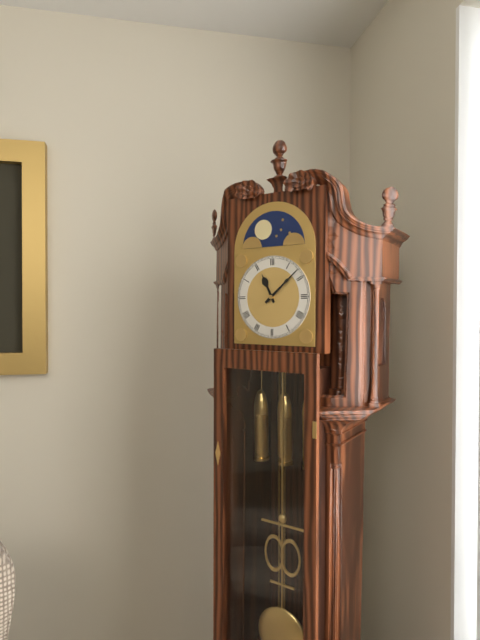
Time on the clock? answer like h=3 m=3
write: h=11 m=8
